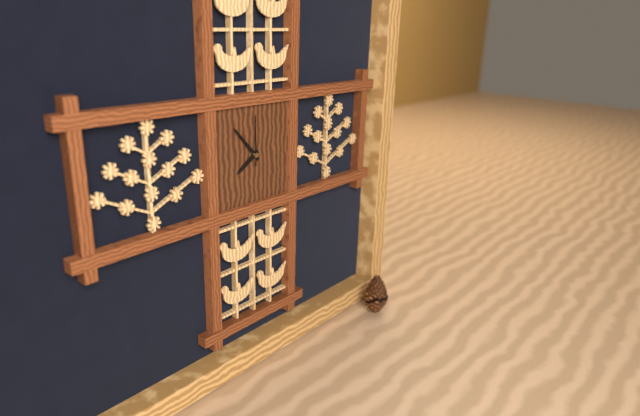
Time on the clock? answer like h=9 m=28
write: h=7 m=53
